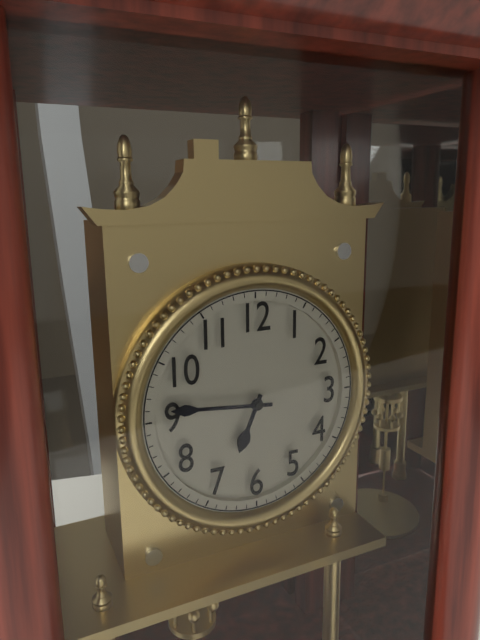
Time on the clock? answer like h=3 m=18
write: h=6 m=46
